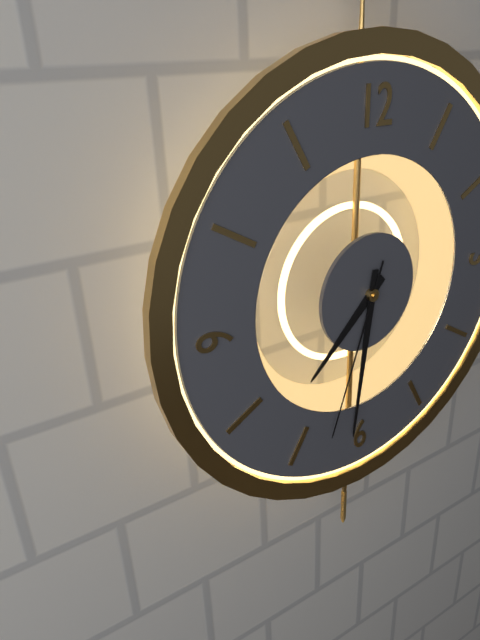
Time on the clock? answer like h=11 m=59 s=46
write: h=7 m=31 s=33
